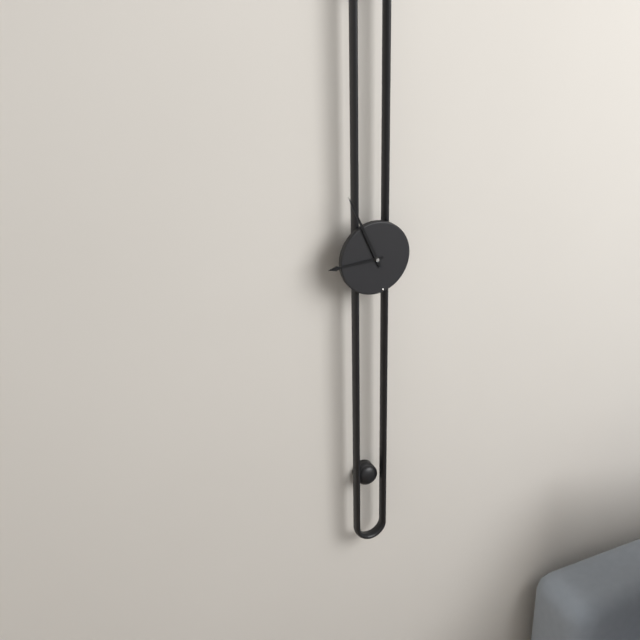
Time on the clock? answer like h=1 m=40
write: h=8 m=56
